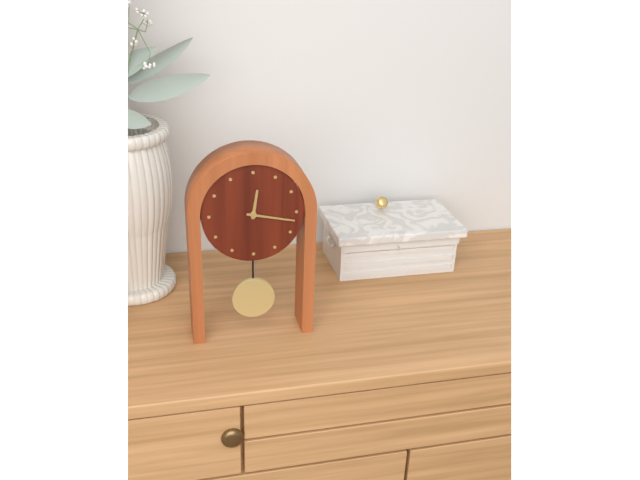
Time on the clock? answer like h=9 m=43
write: h=12 m=17
